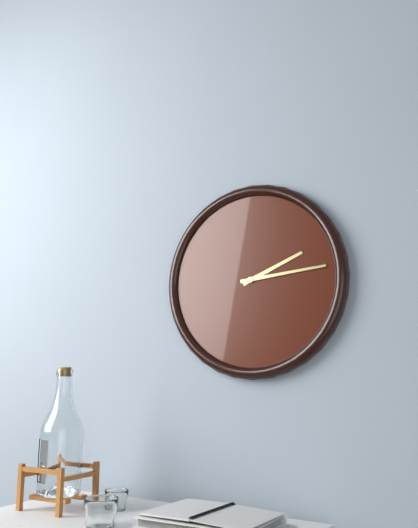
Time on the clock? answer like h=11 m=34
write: h=2 m=14
